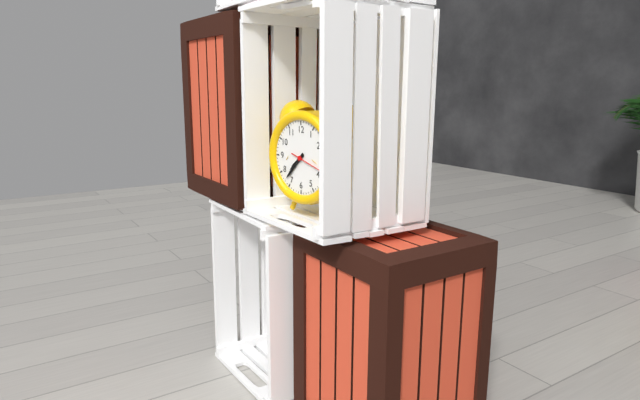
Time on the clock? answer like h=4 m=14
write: h=7 m=37
